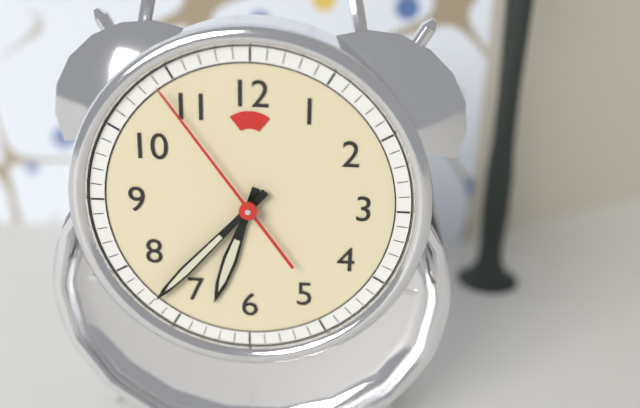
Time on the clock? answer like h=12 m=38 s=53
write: h=6 m=37 s=54
